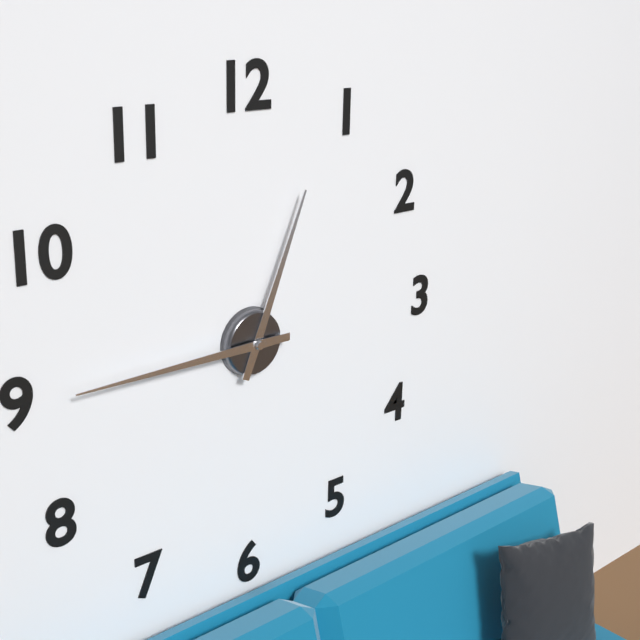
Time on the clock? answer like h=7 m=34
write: h=12 m=45
